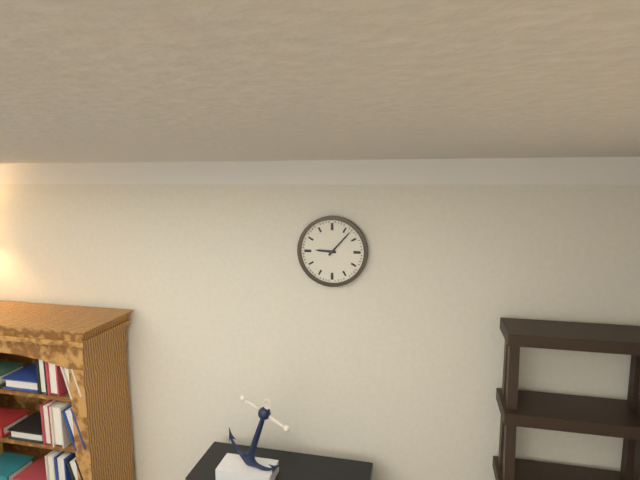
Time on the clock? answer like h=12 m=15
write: h=9 m=7
